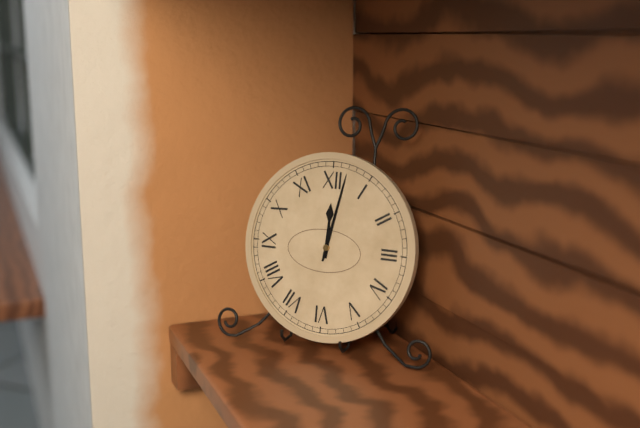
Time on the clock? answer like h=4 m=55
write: h=12 m=2
